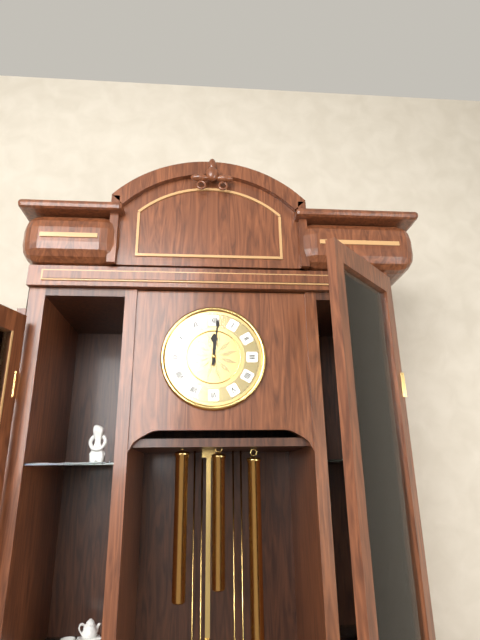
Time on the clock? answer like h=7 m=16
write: h=12 m=1
